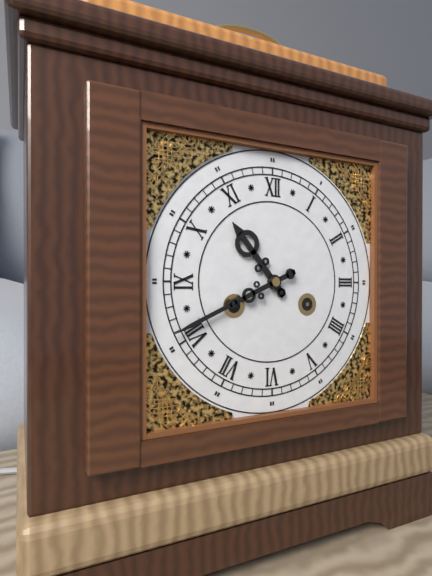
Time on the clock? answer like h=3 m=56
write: h=10 m=41
